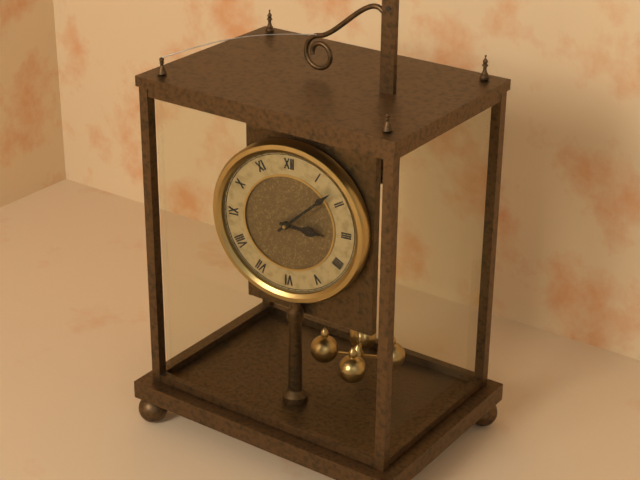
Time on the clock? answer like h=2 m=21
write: h=3 m=8
